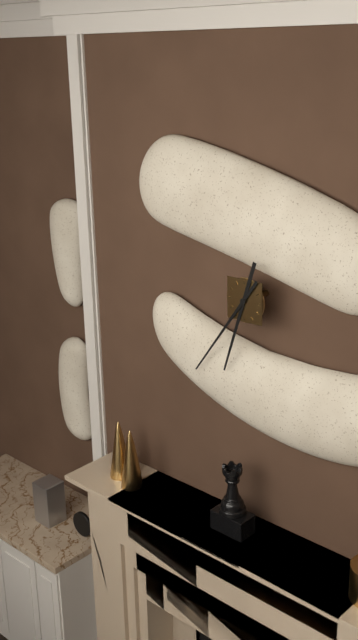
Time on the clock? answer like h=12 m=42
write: h=6 m=36
